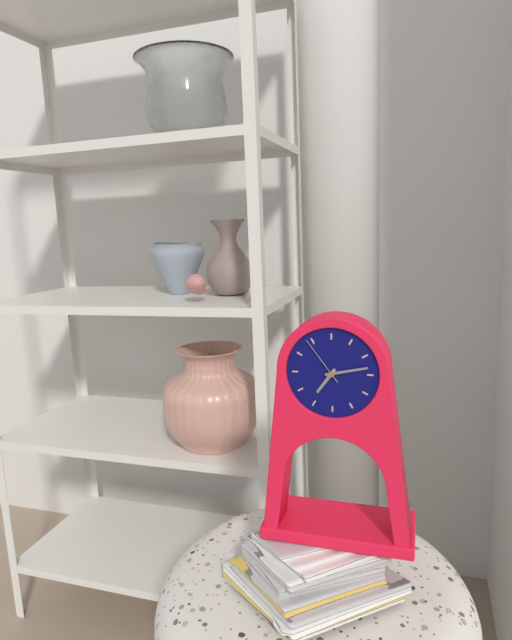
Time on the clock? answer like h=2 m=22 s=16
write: h=7 m=13 s=54
